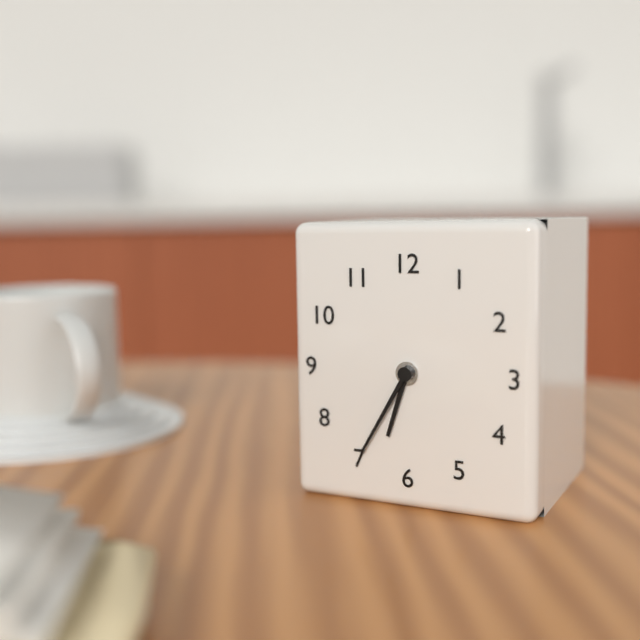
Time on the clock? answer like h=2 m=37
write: h=6 m=35
